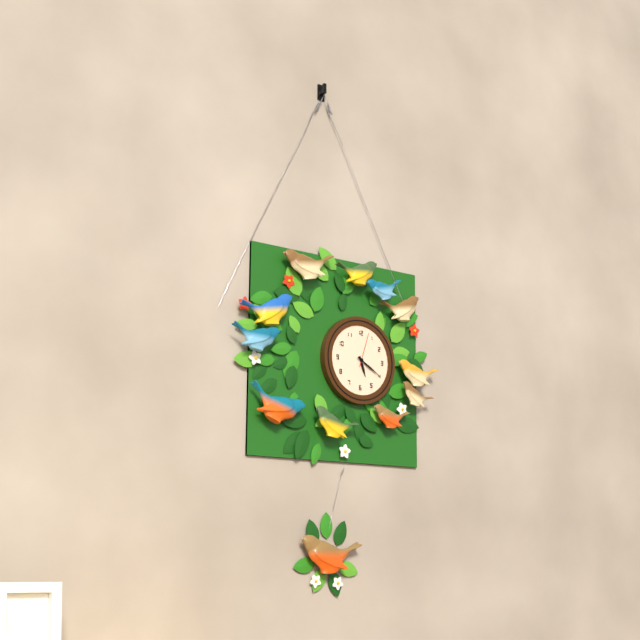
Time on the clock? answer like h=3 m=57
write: h=5 m=20
